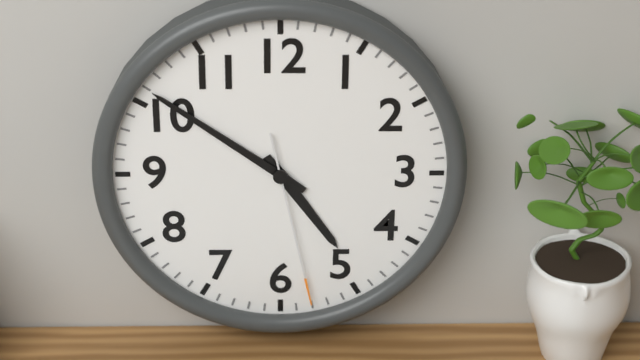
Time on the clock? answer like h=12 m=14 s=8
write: h=4 m=51 s=28
